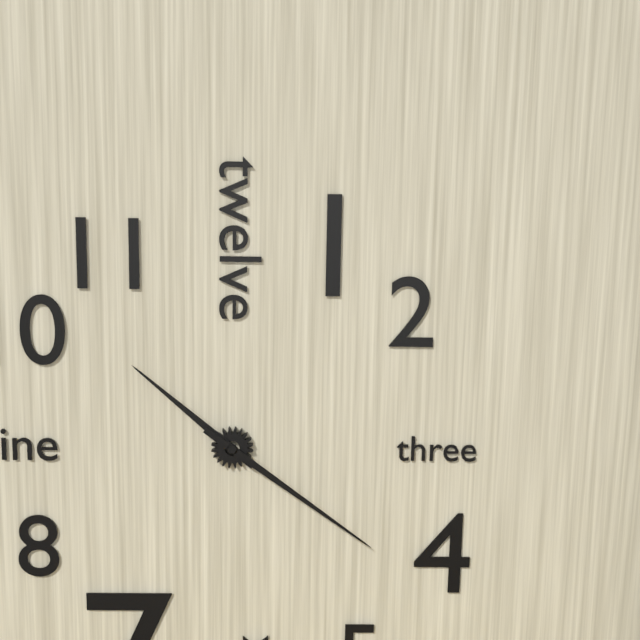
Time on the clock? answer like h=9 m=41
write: h=10 m=21
